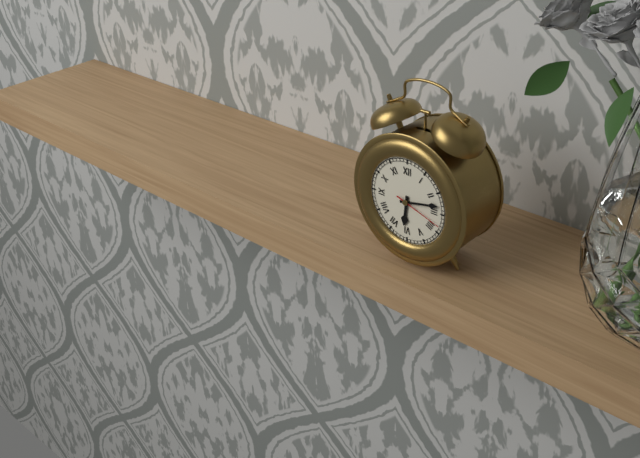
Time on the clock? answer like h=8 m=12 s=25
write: h=6 m=13 s=18
